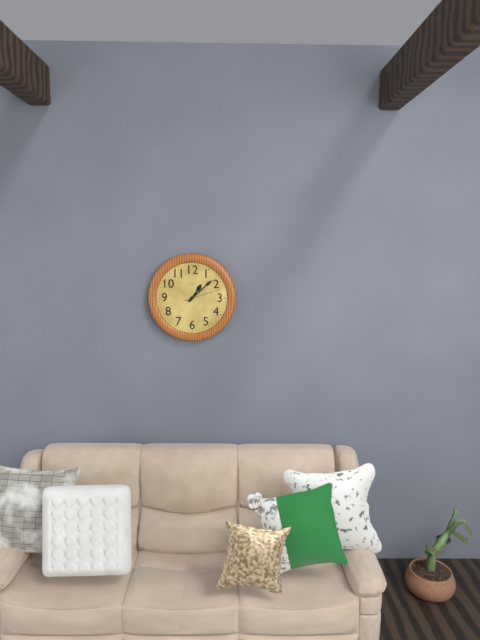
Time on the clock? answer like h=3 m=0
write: h=1 m=8
